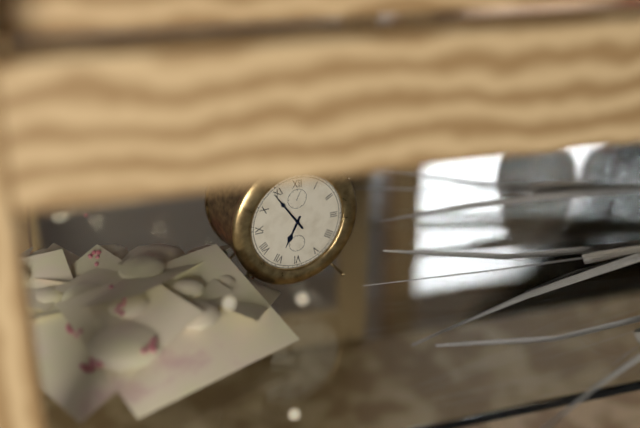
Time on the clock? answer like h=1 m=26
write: h=6 m=54
